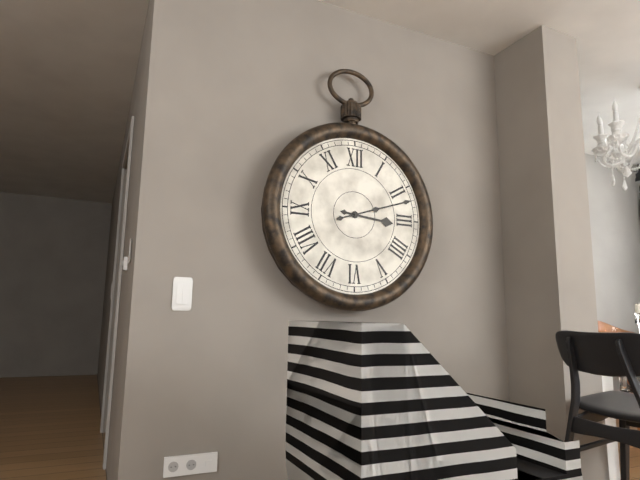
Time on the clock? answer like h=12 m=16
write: h=3 m=12
